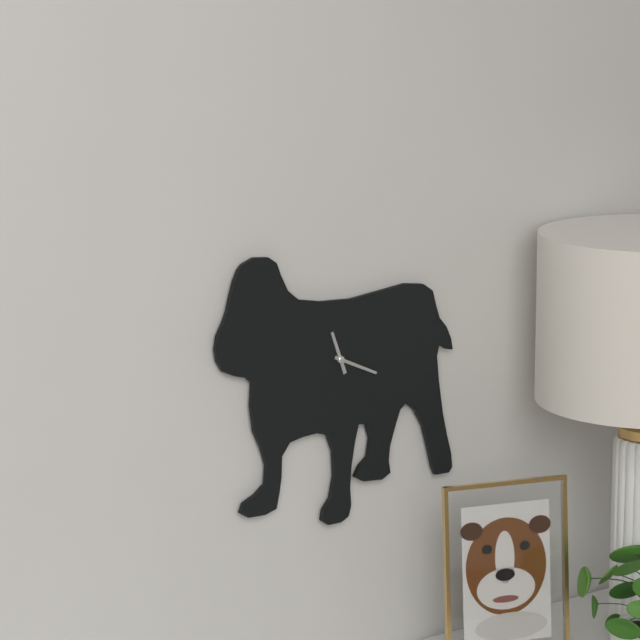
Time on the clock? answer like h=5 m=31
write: h=11 m=19
